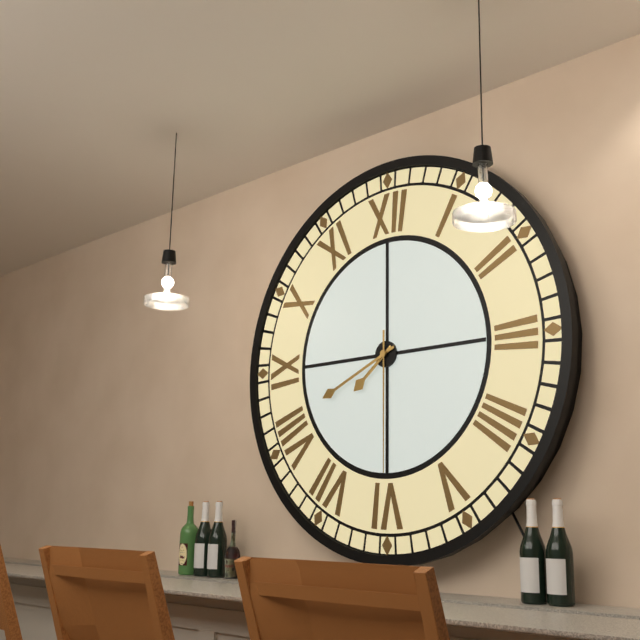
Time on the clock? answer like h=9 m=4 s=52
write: h=7 m=41 s=30
